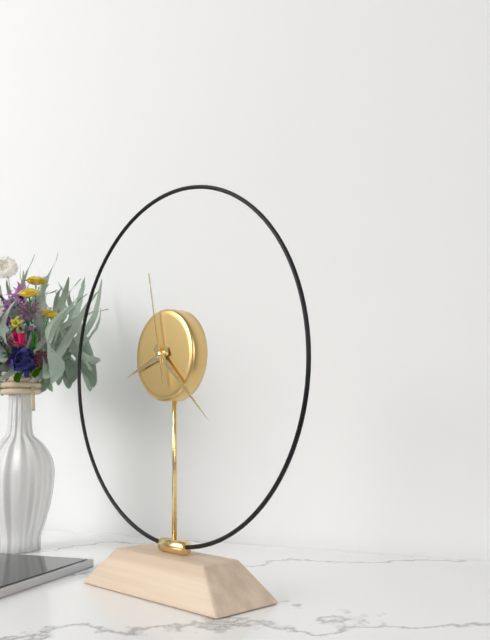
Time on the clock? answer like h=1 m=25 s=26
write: h=8 m=22 s=58
